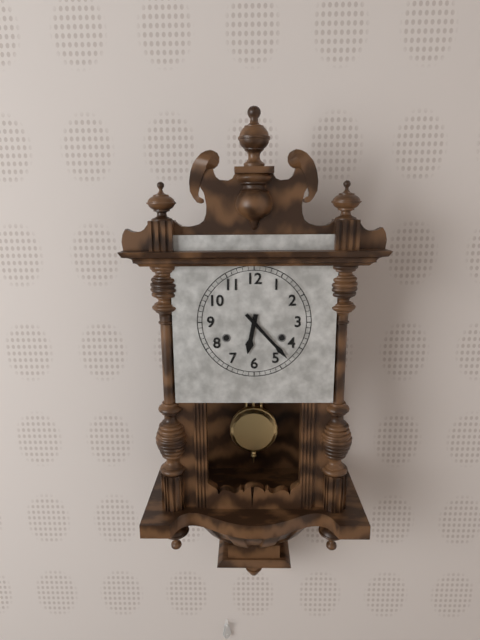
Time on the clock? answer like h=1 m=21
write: h=6 m=23
